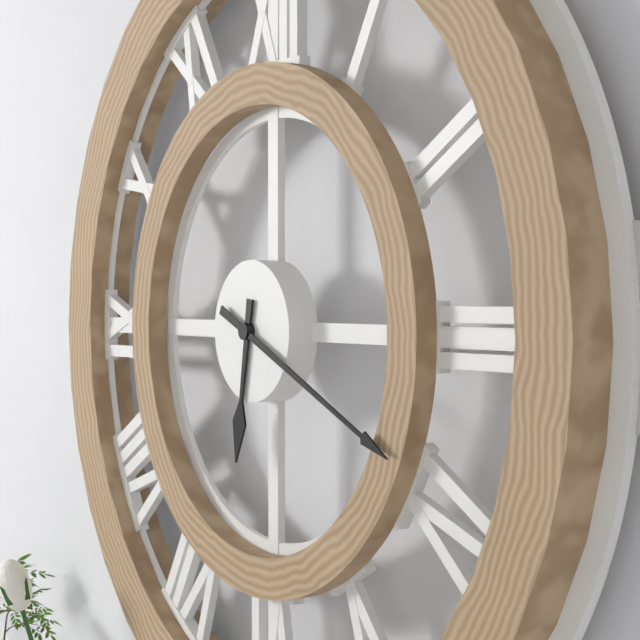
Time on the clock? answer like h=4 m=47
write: h=6 m=19
